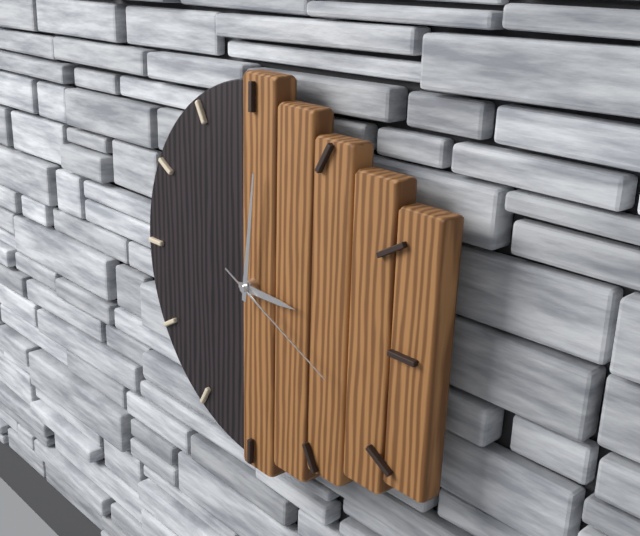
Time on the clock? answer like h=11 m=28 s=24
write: h=3 m=1 s=19
